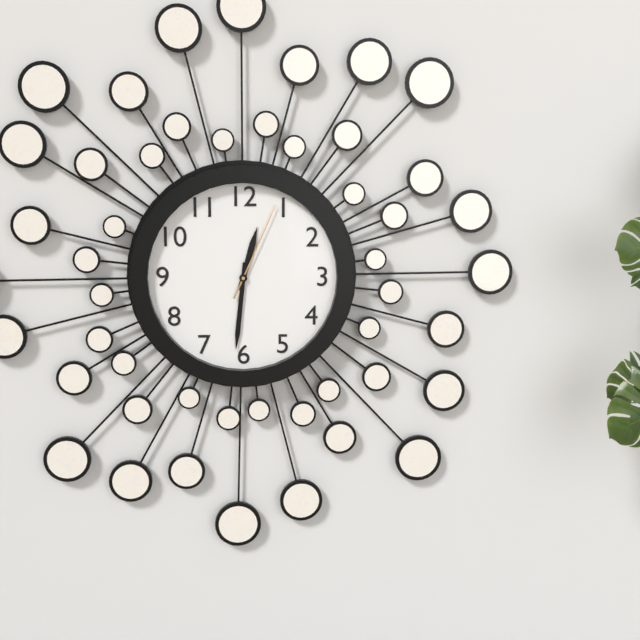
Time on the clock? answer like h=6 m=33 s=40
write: h=12 m=31 s=4
